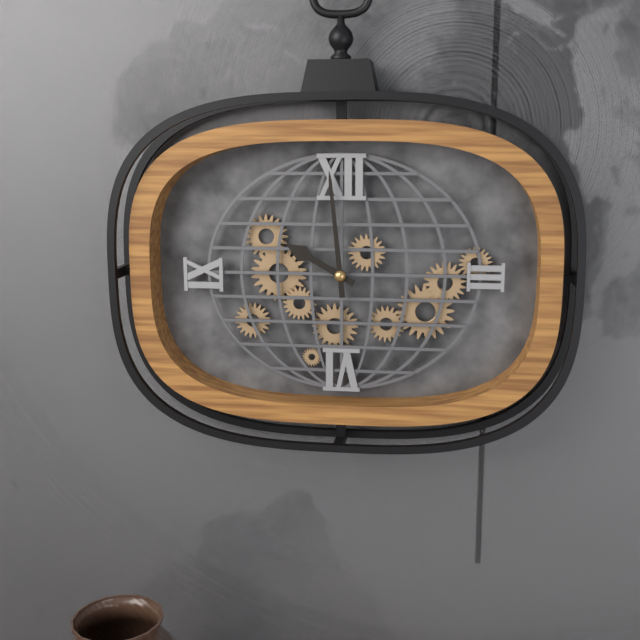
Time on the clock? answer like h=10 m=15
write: h=9 m=59
